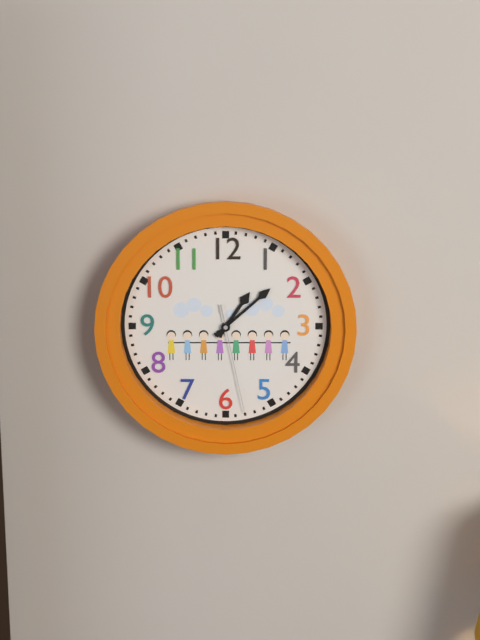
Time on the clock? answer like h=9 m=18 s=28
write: h=1 m=8 s=28
